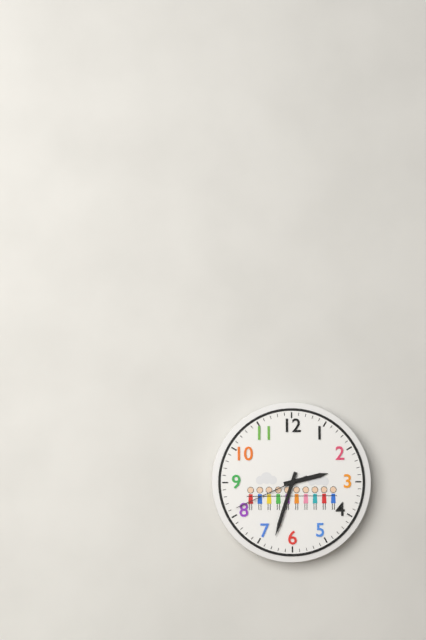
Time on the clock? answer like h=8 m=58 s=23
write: h=2 m=33 s=41
